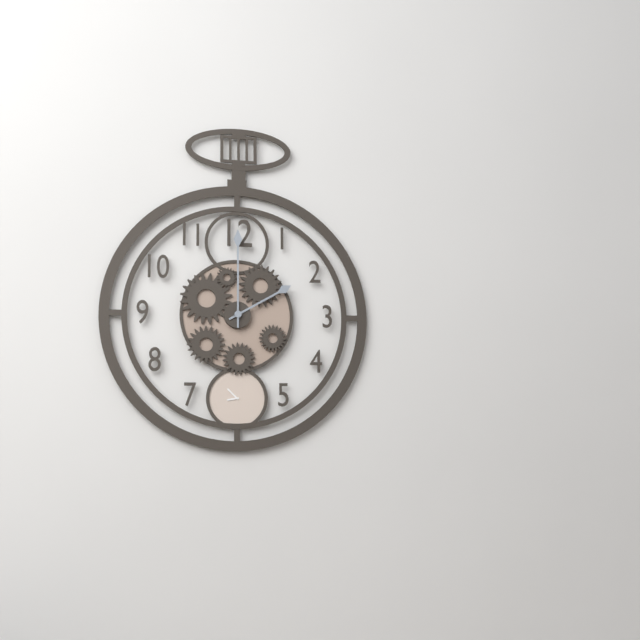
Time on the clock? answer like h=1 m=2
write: h=2 m=0
